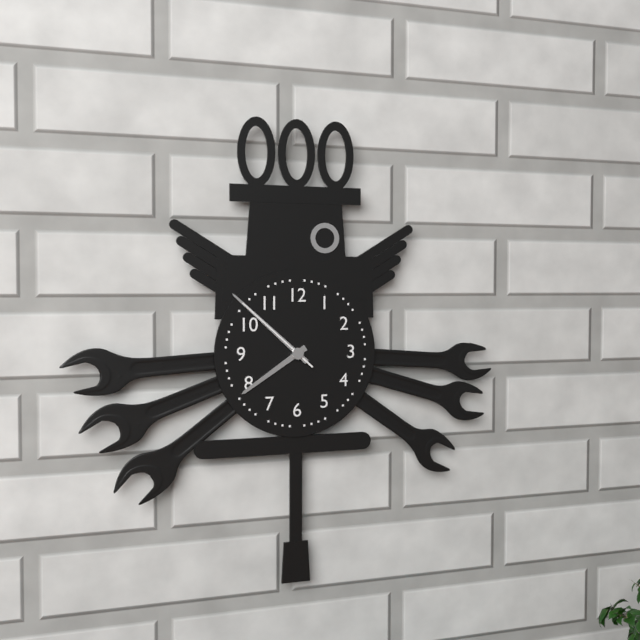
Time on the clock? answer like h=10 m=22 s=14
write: h=7 m=52 s=52
